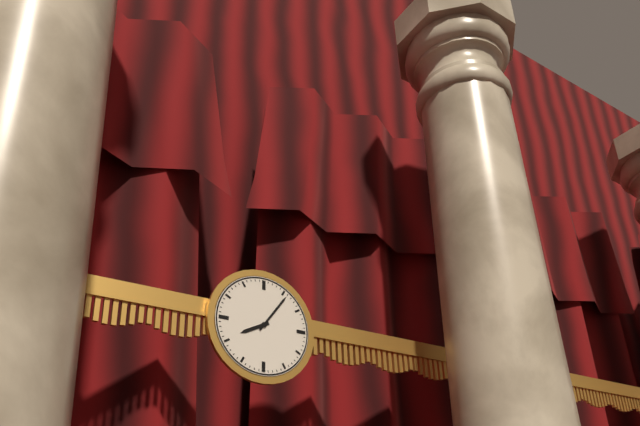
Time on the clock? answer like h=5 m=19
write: h=8 m=6
